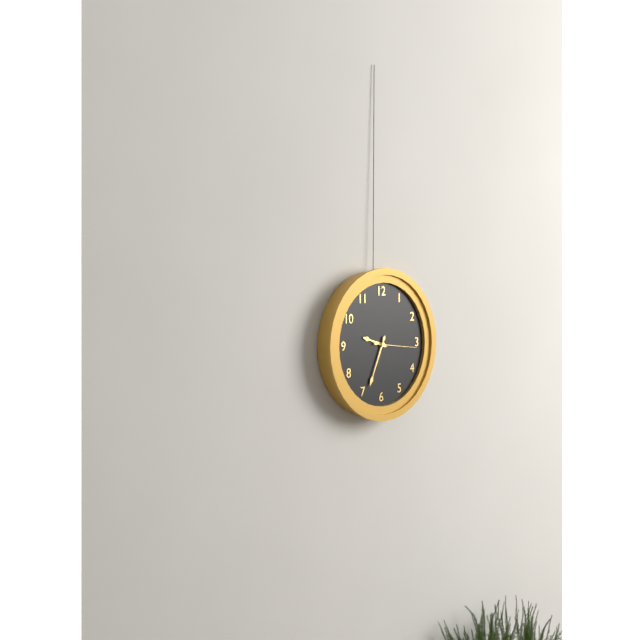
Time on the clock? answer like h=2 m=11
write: h=9 m=34
